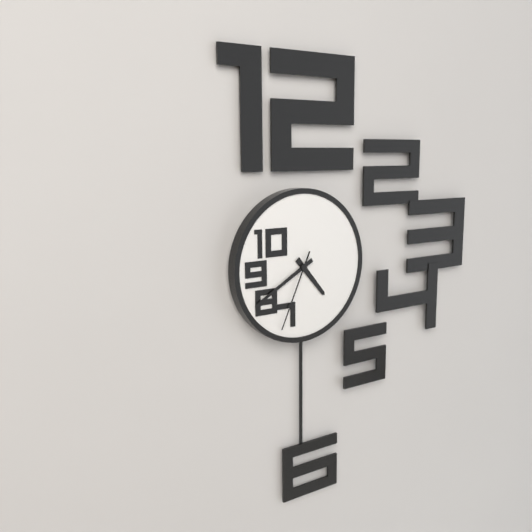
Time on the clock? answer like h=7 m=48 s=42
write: h=4 m=40 s=34
